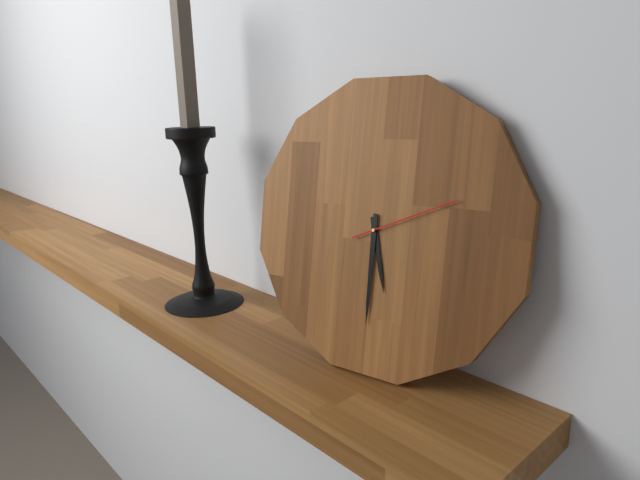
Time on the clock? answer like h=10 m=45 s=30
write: h=5 m=30 s=11
